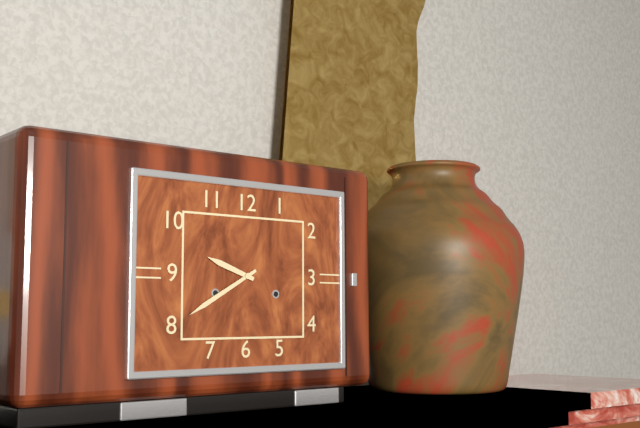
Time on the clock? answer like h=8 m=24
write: h=9 m=40
